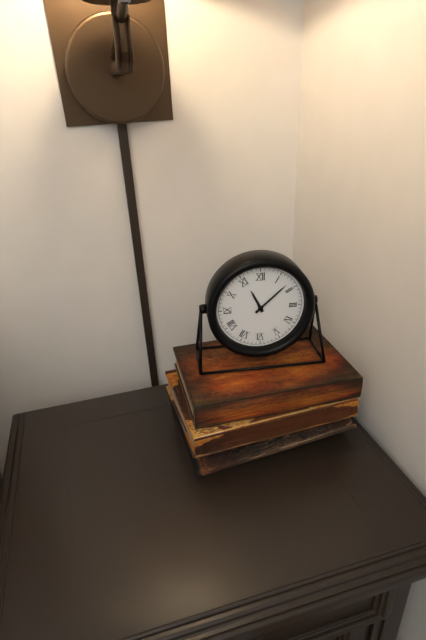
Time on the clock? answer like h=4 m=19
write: h=11 m=8
